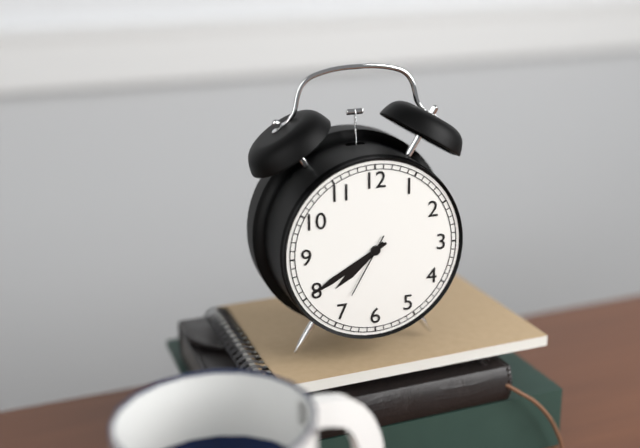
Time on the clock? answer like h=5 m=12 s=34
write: h=7 m=40 s=35
